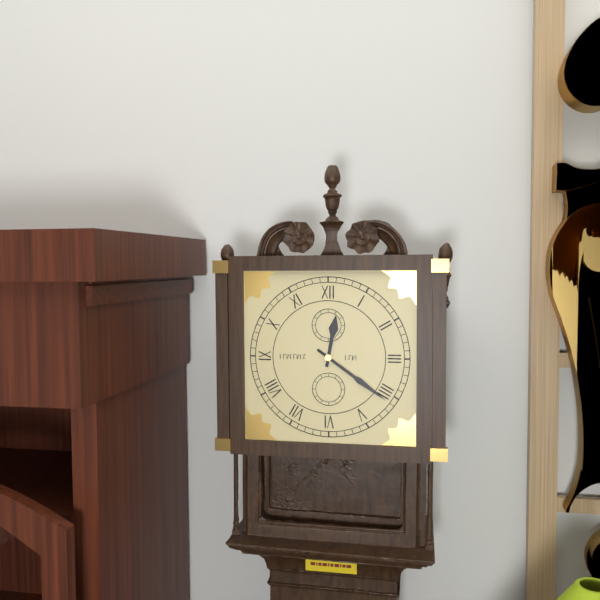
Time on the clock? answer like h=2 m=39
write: h=12 m=21
